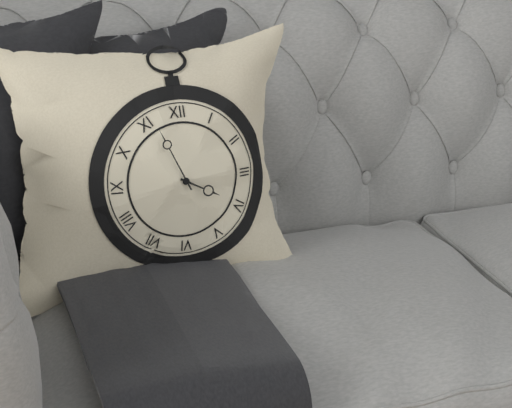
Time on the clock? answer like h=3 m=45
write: h=3 m=56
